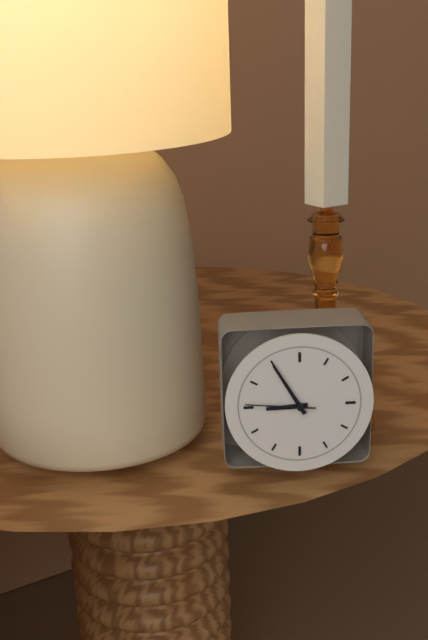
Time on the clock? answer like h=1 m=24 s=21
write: h=8 m=55 s=46
